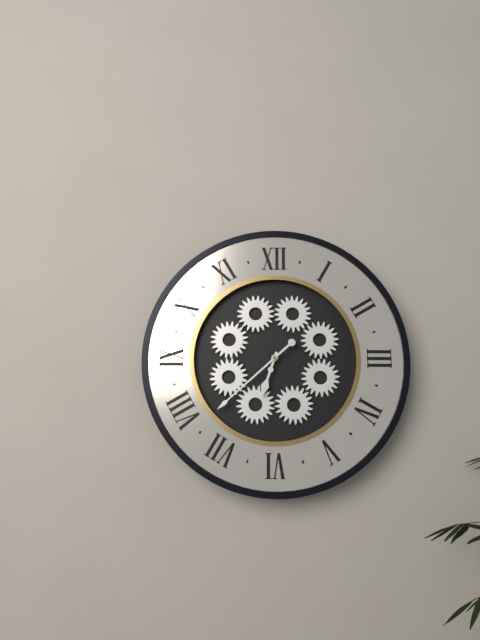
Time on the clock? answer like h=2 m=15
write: h=6 m=38
